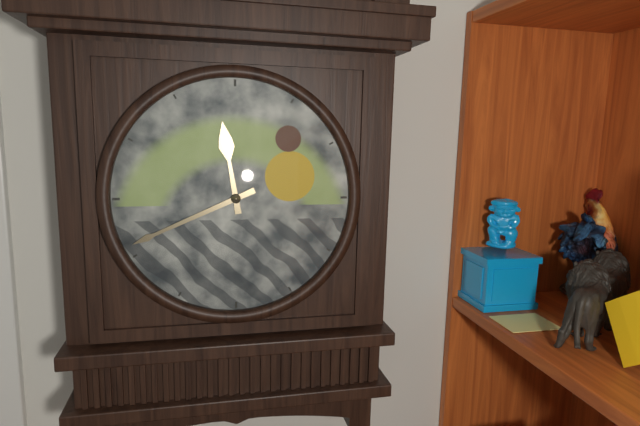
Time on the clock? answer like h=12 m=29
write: h=11 m=41
